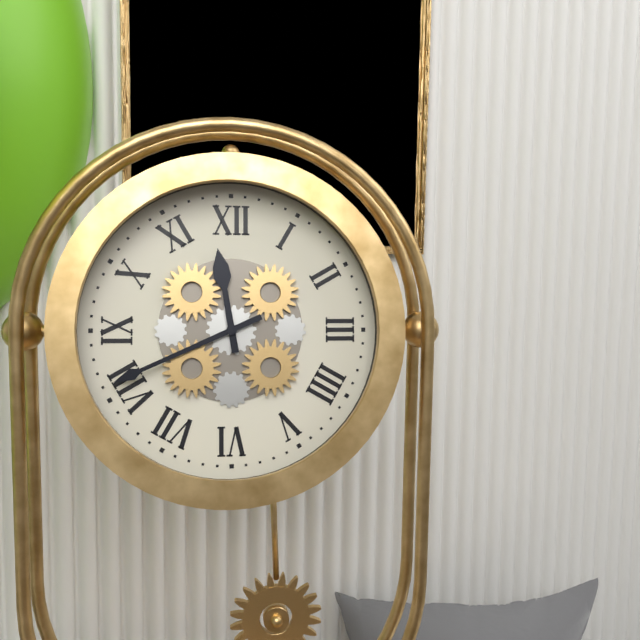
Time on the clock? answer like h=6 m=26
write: h=11 m=41
